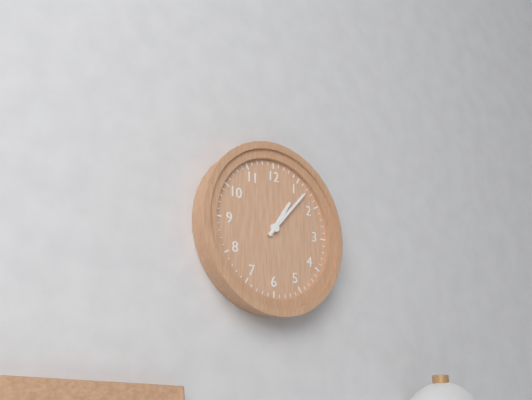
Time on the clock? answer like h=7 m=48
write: h=1 m=7
